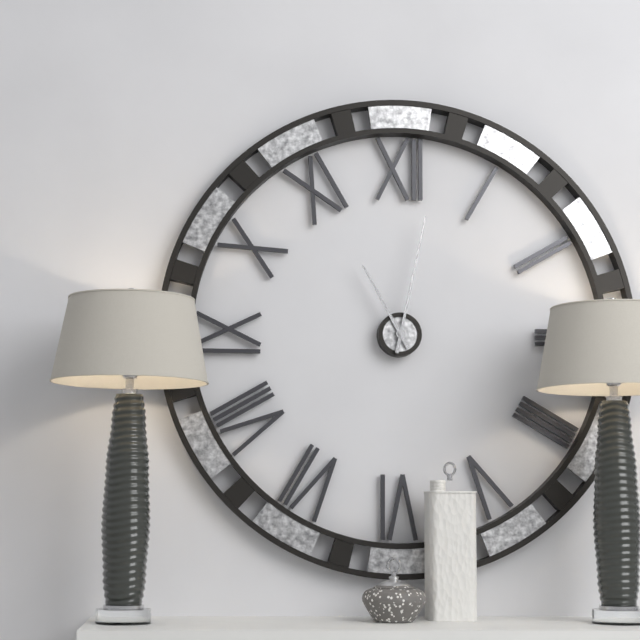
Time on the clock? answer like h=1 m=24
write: h=11 m=2
